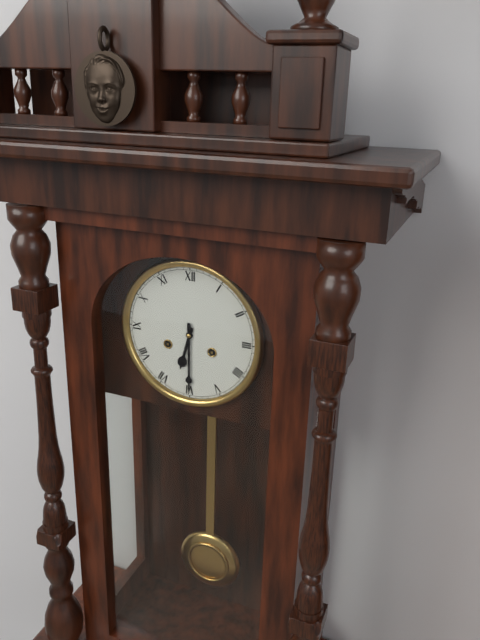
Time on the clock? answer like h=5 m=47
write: h=6 m=30
